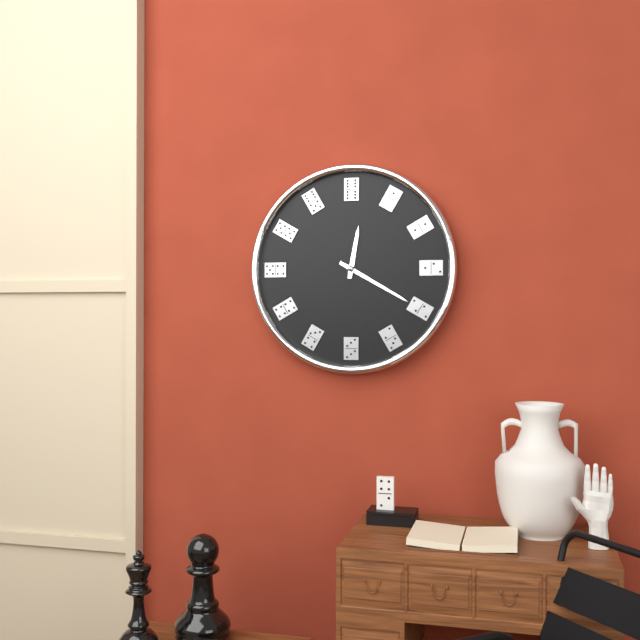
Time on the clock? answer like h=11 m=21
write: h=12 m=20
